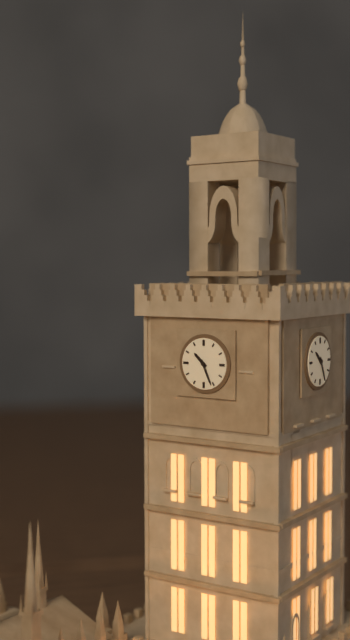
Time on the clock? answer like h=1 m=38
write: h=10 m=26
